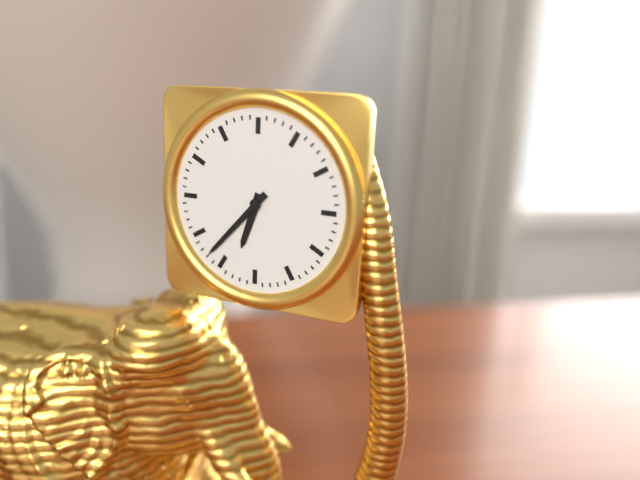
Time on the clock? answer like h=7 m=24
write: h=6 m=37
